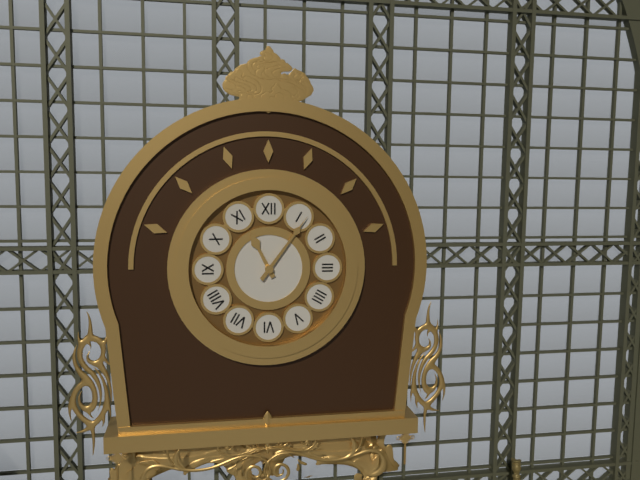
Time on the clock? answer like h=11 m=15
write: h=11 m=6
